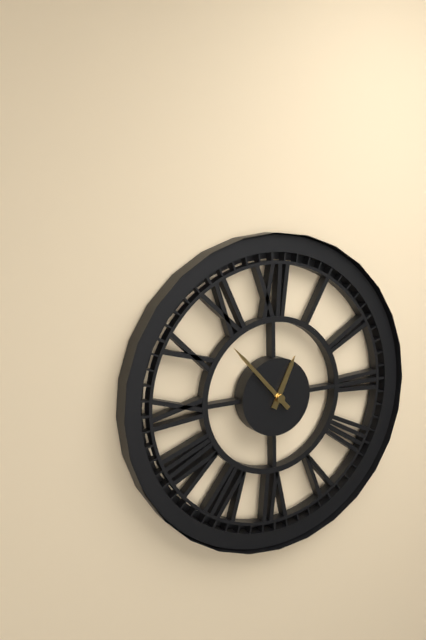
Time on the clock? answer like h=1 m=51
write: h=12 m=53
